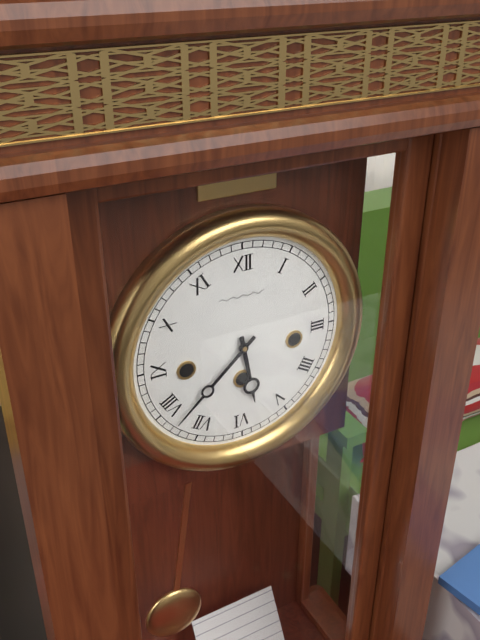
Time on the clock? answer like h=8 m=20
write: h=5 m=38
